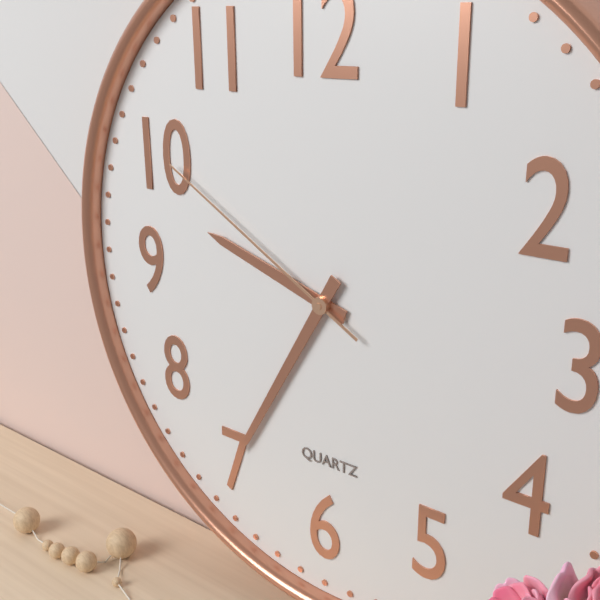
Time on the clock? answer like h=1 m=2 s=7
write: h=9 m=35 s=50
